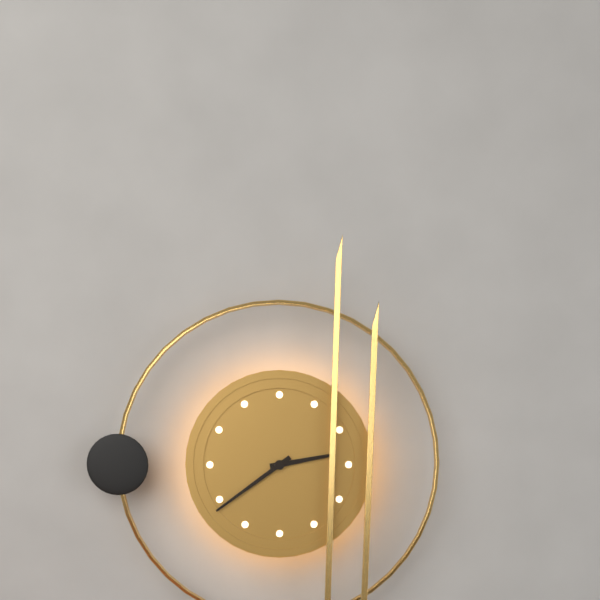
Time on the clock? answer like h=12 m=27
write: h=2 m=39
